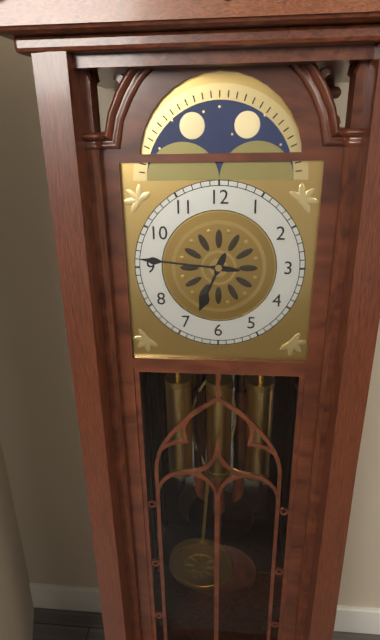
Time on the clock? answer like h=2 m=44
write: h=6 m=46
